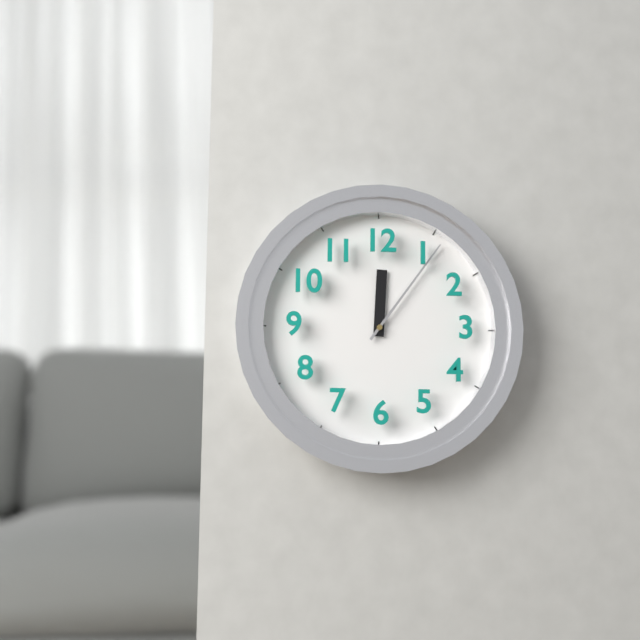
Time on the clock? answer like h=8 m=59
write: h=12 m=6
